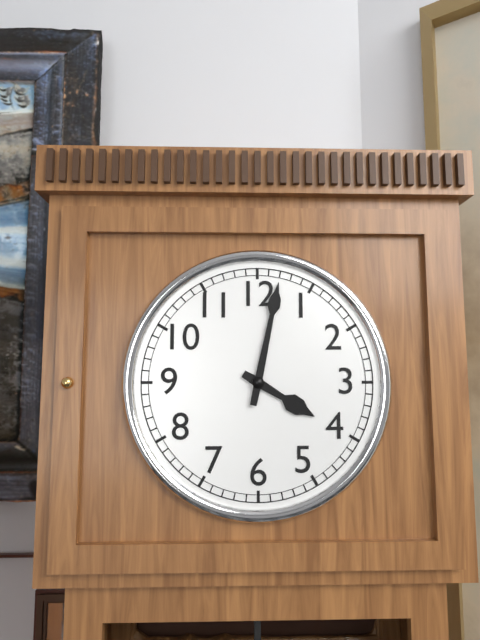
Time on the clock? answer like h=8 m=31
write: h=4 m=2
